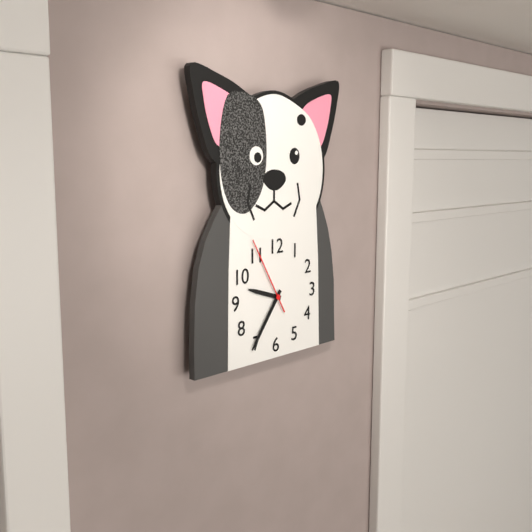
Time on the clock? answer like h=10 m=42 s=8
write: h=9 m=36 s=55
